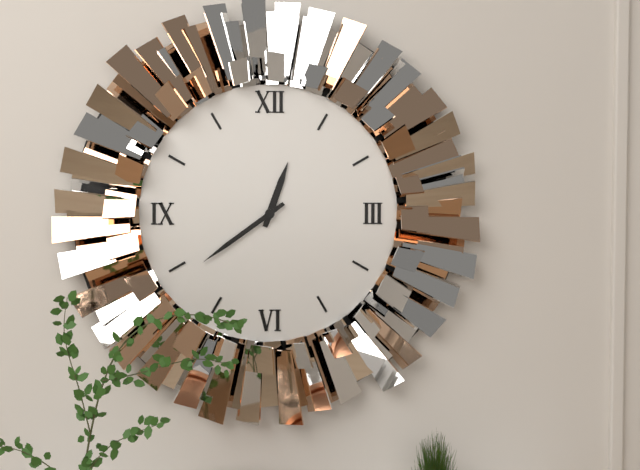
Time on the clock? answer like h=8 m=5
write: h=12 m=39
